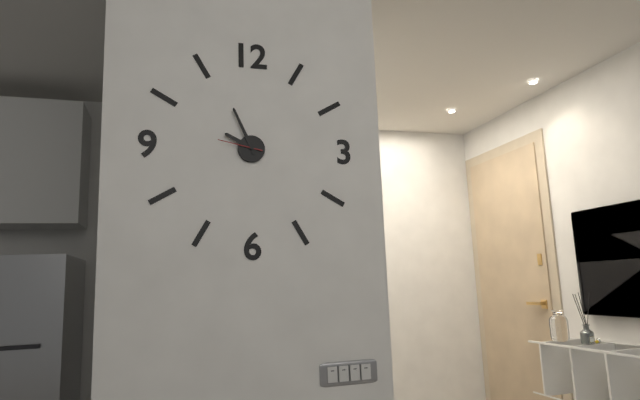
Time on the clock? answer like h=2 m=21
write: h=9 m=56
